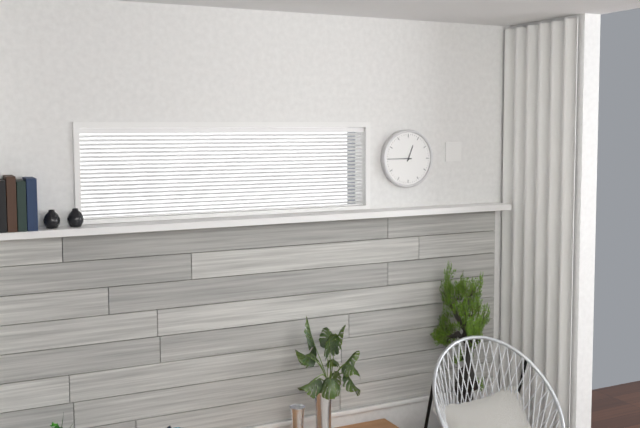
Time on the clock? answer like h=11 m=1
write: h=12 m=45
